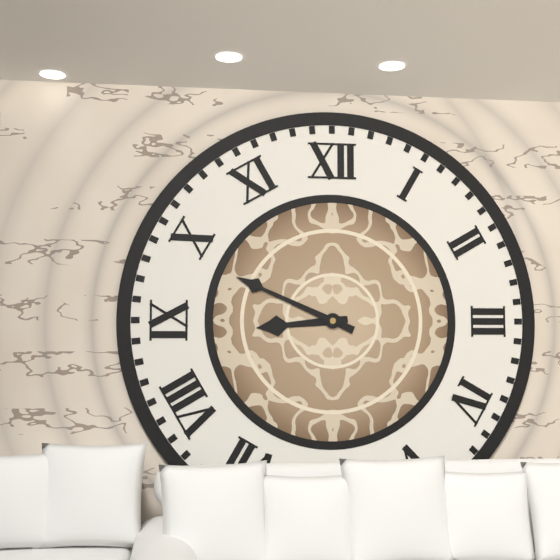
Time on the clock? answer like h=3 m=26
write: h=8 m=49
